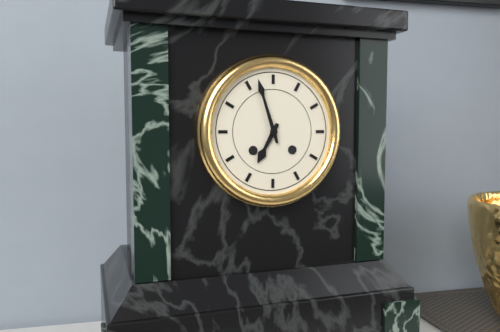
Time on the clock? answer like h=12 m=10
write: h=6 m=57
